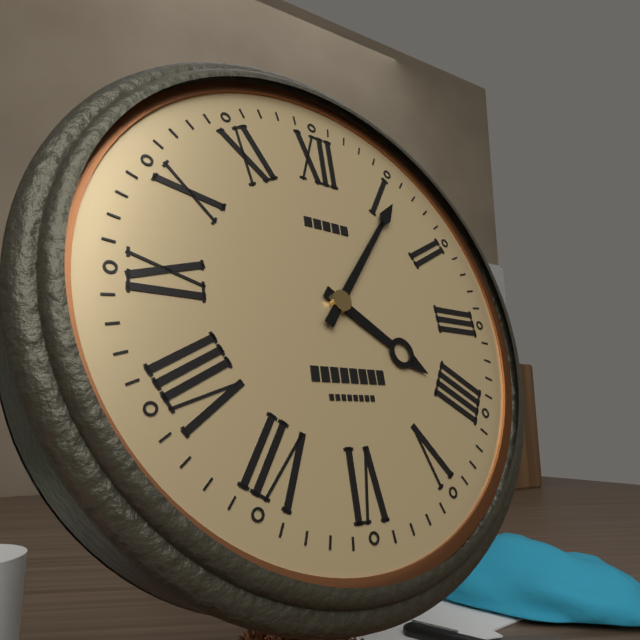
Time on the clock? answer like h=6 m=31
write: h=4 m=6
